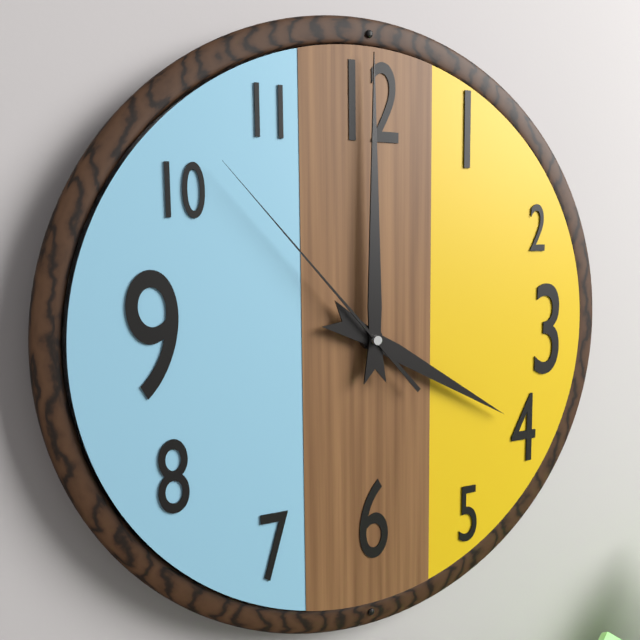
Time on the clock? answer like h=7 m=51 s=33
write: h=4 m=0 s=53
